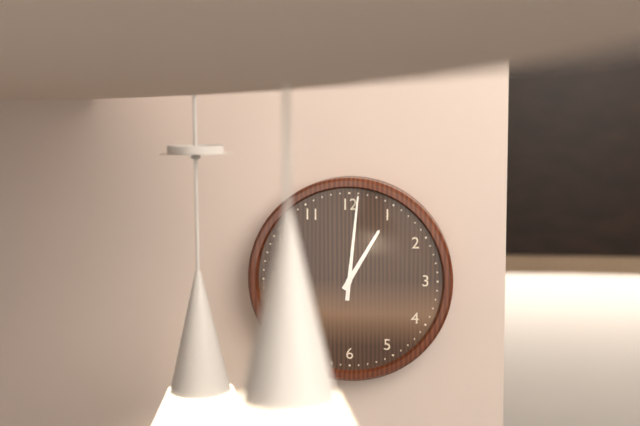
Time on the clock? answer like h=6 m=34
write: h=1 m=1
